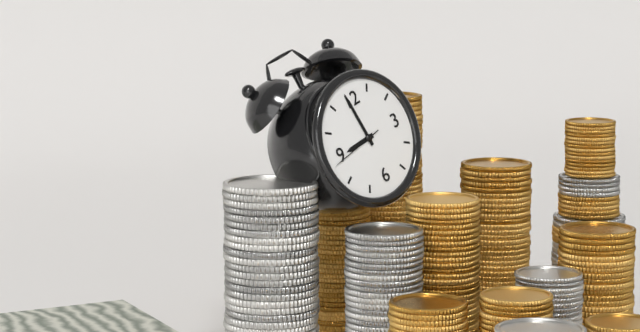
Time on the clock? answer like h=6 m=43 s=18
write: h=8 m=59 s=44
